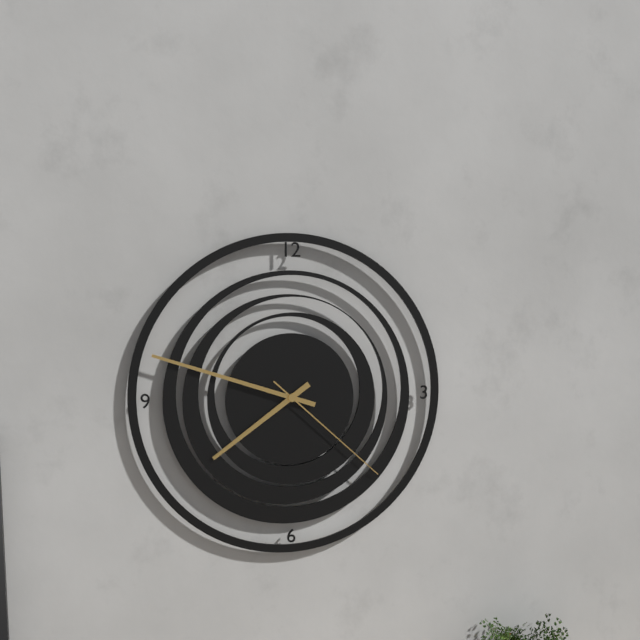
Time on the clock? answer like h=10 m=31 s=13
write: h=7 m=48 s=22
